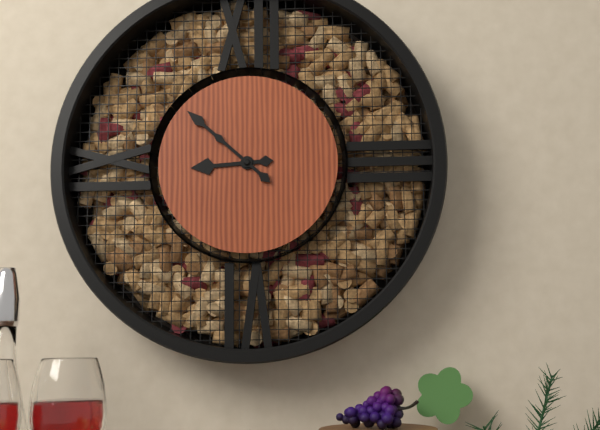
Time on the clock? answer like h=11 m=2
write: h=8 m=52
